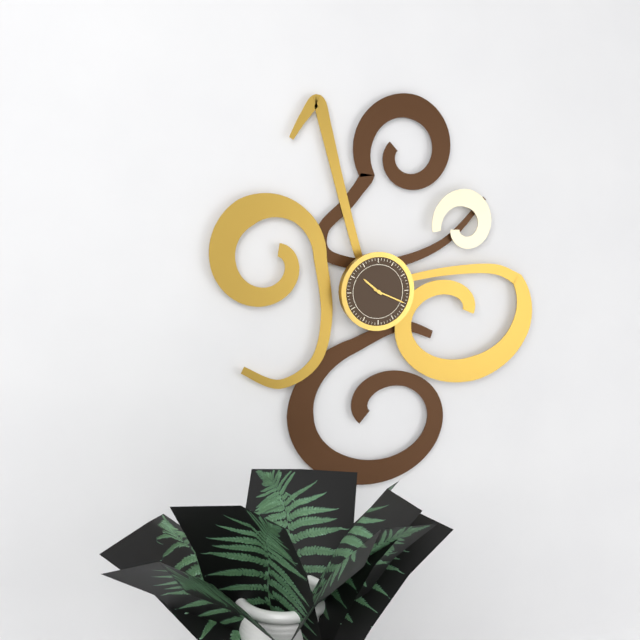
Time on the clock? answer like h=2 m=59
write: h=10 m=19
